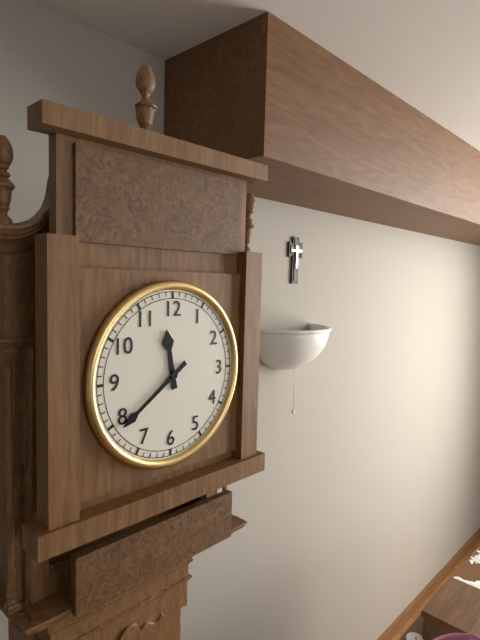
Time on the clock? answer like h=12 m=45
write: h=11 m=39
